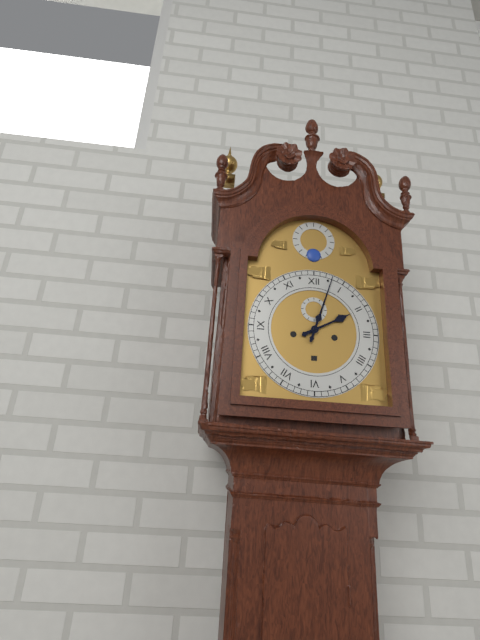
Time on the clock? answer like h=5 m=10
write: h=2 m=3
